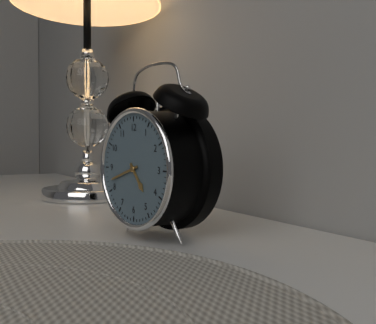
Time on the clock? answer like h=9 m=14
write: h=4 m=42
